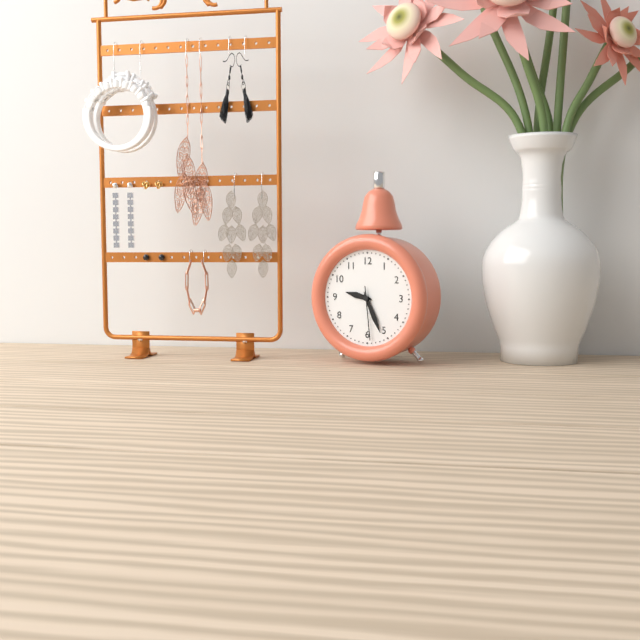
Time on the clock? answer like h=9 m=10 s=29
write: h=9 m=26 s=29
